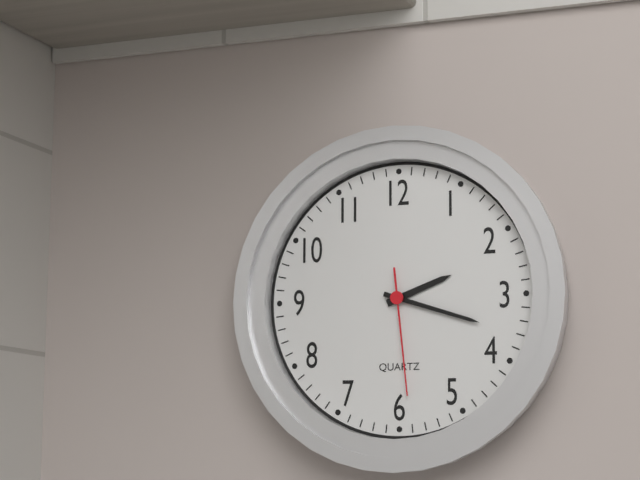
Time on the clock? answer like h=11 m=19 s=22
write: h=2 m=18 s=29
